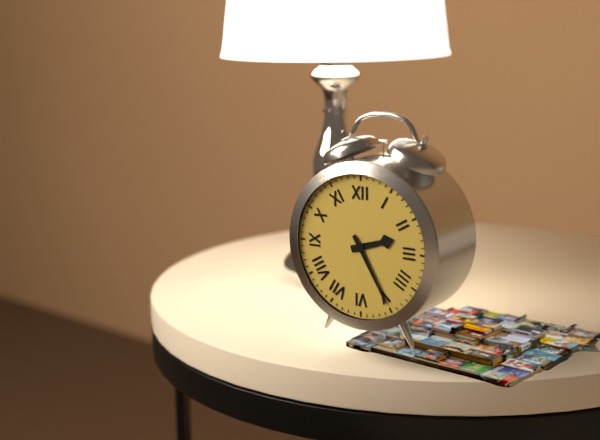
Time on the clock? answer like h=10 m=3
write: h=2 m=25
